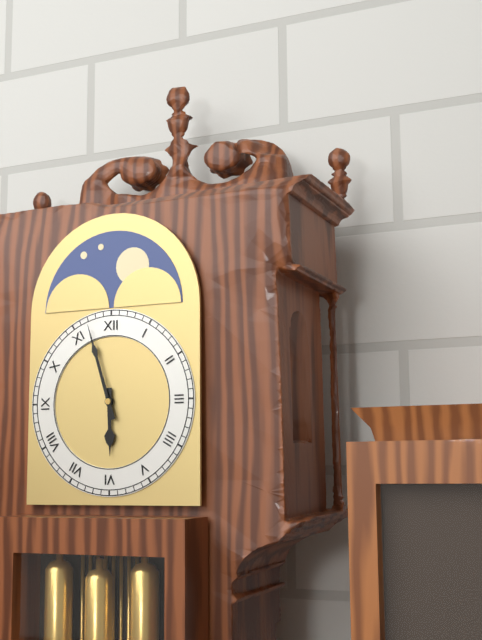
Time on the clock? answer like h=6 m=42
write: h=5 m=57
